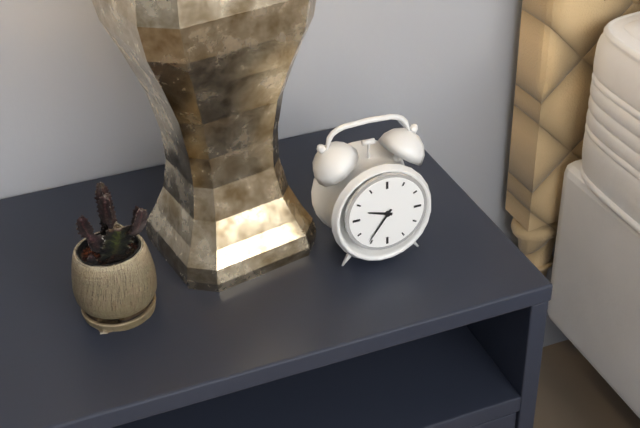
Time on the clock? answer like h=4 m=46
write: h=9 m=36
